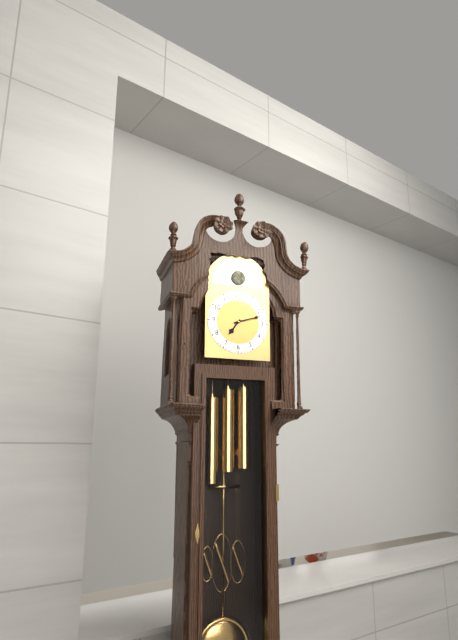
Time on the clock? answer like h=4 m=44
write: h=7 m=12
